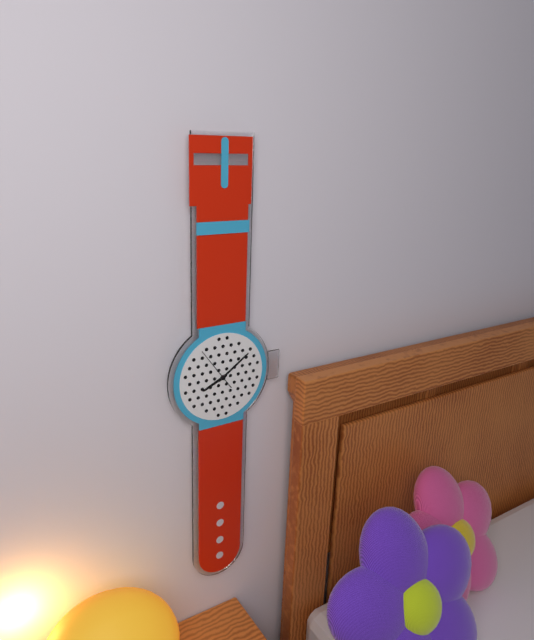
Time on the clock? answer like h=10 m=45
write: h=8 m=9
